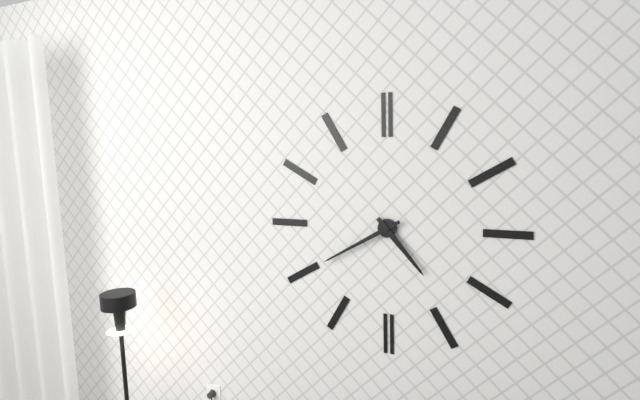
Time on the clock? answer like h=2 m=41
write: h=4 m=40
